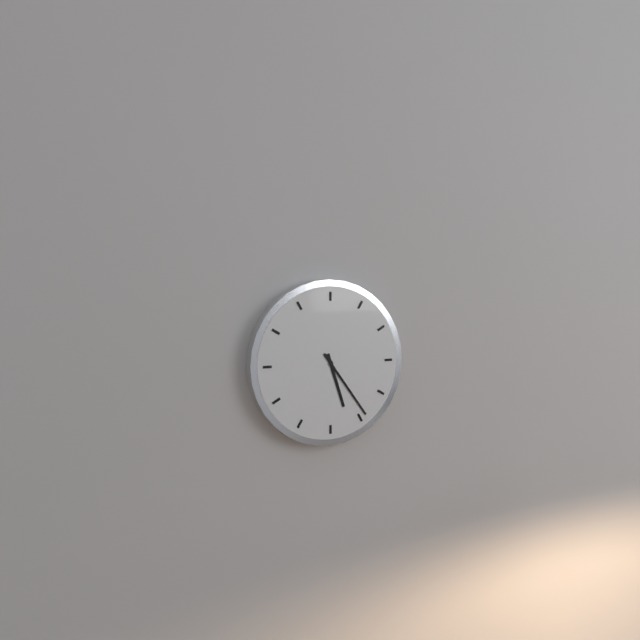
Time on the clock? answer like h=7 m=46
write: h=5 m=24
